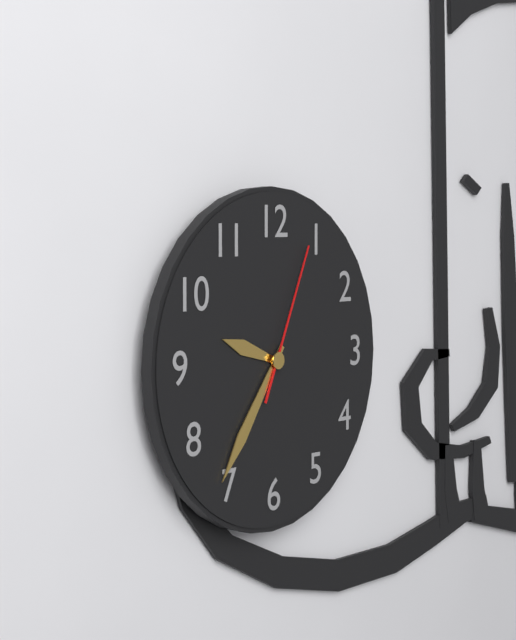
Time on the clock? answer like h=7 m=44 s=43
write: h=9 m=36 s=4
